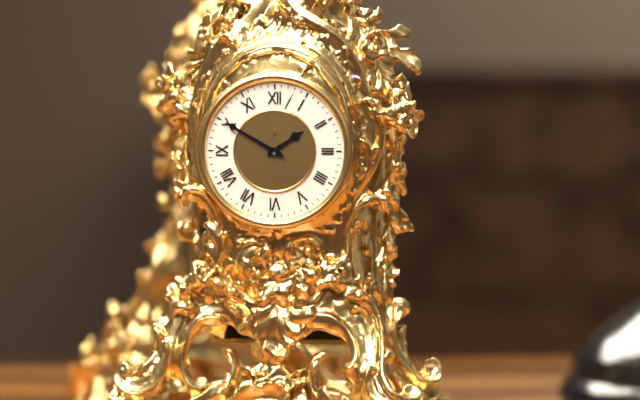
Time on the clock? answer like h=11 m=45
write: h=1 m=50
